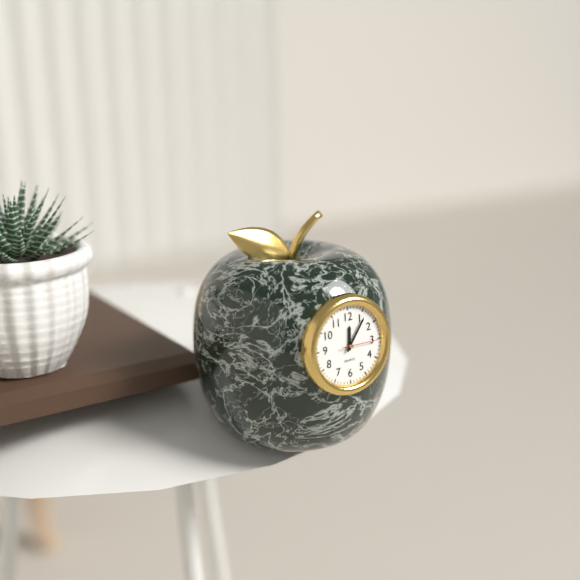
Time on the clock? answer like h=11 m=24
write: h=12 m=6
